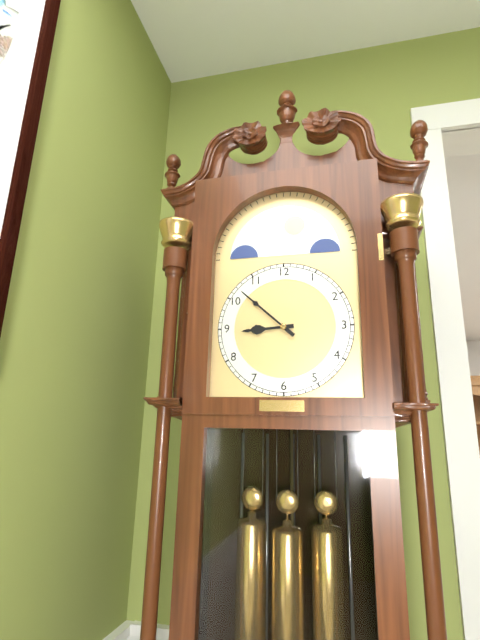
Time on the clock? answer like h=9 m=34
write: h=8 m=52
